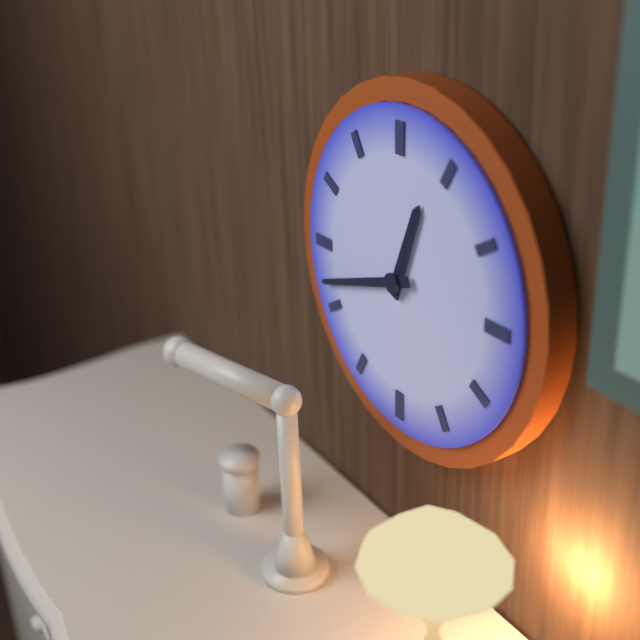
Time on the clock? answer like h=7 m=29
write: h=12 m=42
